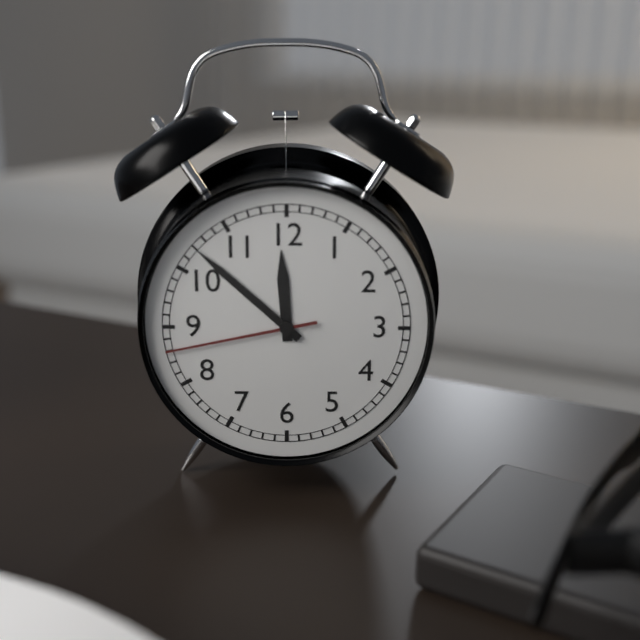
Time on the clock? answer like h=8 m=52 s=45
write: h=11 m=52 s=43
